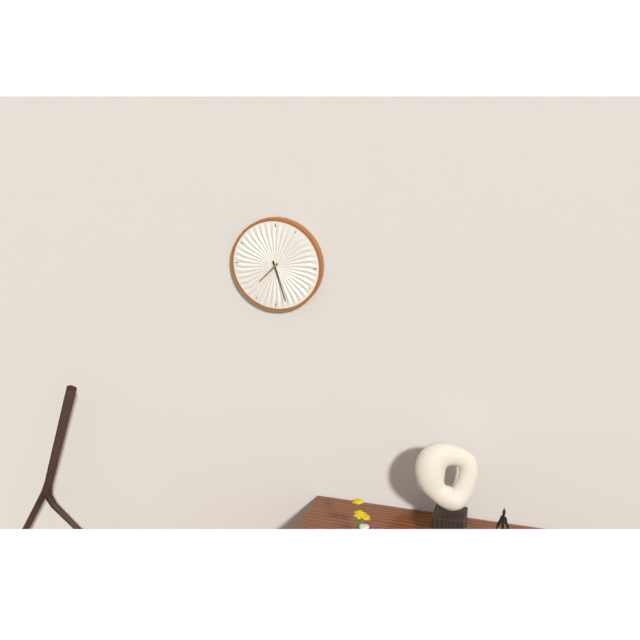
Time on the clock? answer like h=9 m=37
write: h=7 m=27
